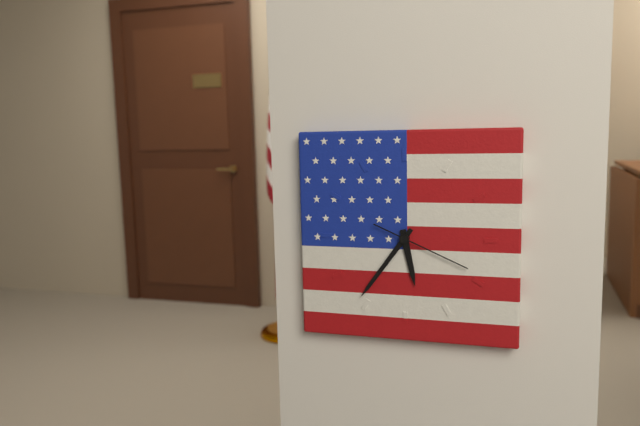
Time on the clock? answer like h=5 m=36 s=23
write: h=5 m=36 s=19
